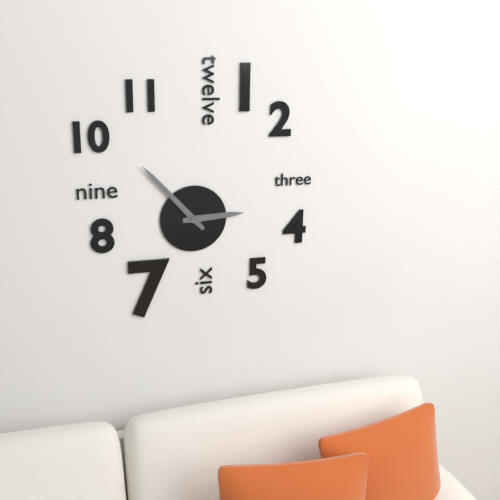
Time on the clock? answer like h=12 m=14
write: h=2 m=53
